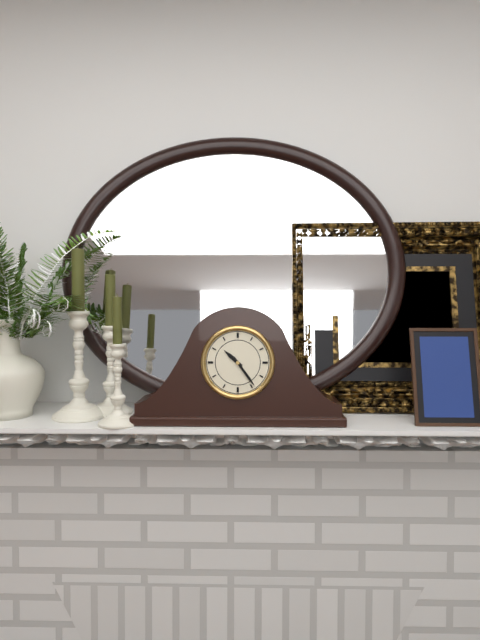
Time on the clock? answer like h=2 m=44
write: h=10 m=24
